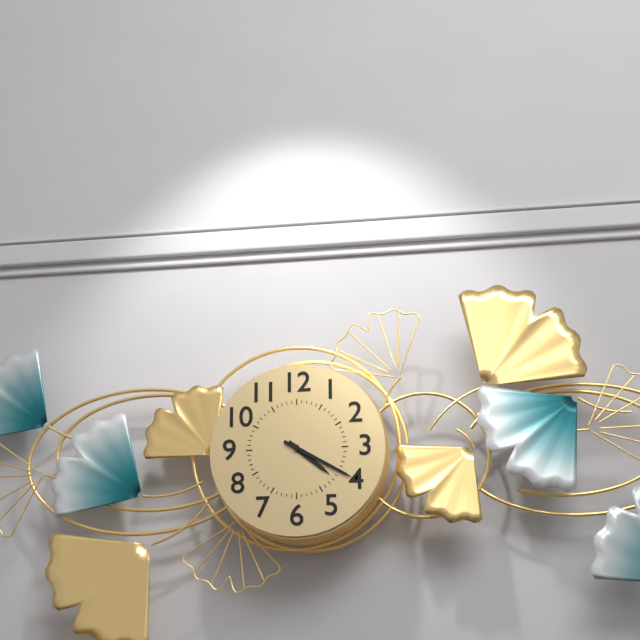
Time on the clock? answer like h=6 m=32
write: h=4 m=20
